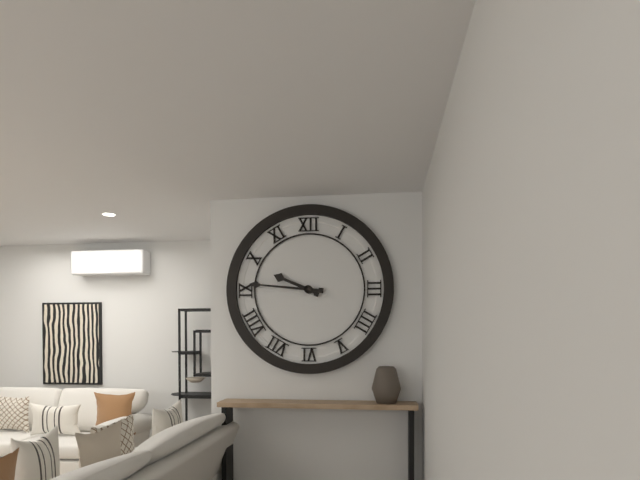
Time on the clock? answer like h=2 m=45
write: h=9 m=46
